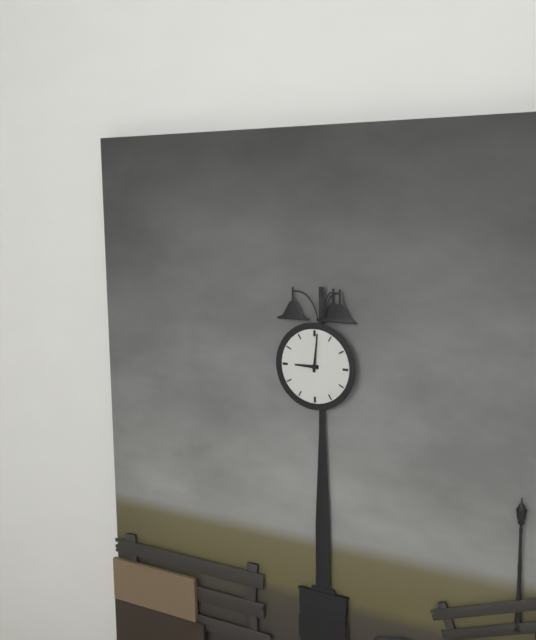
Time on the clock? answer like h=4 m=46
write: h=9 m=1
